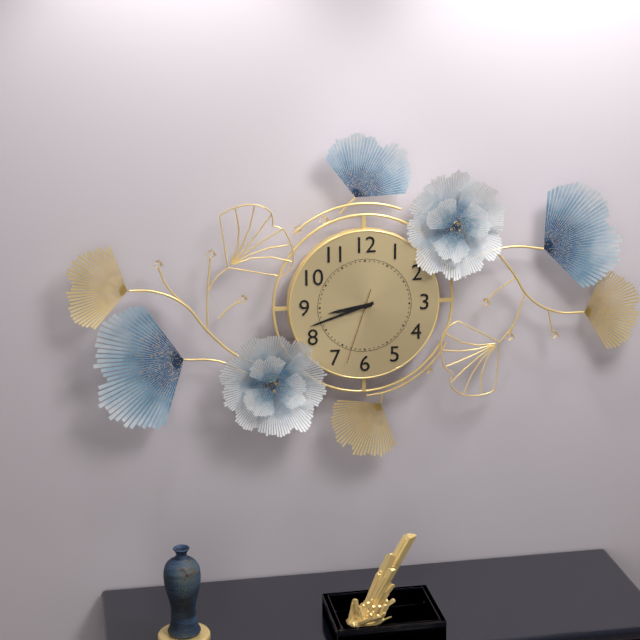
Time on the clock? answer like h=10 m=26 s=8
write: h=8 m=42 s=33
